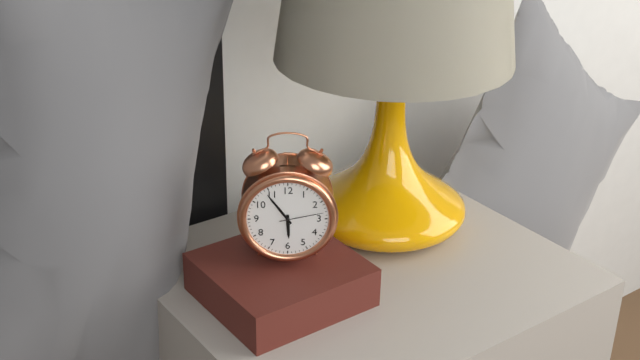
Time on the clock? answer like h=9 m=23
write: h=5 m=54
